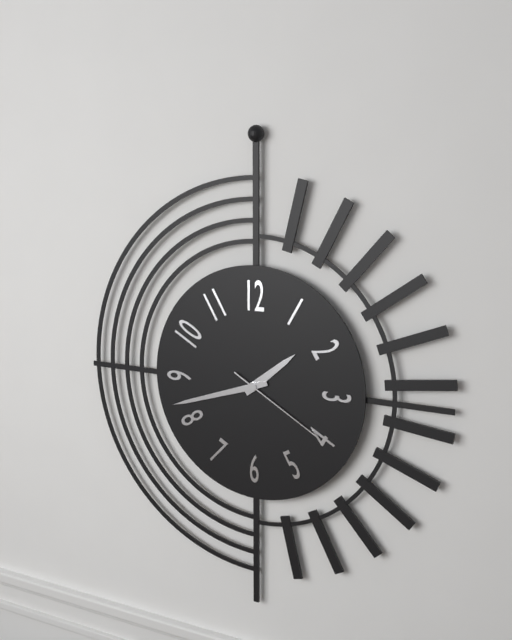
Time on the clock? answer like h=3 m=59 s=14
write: h=1 m=42 s=20
